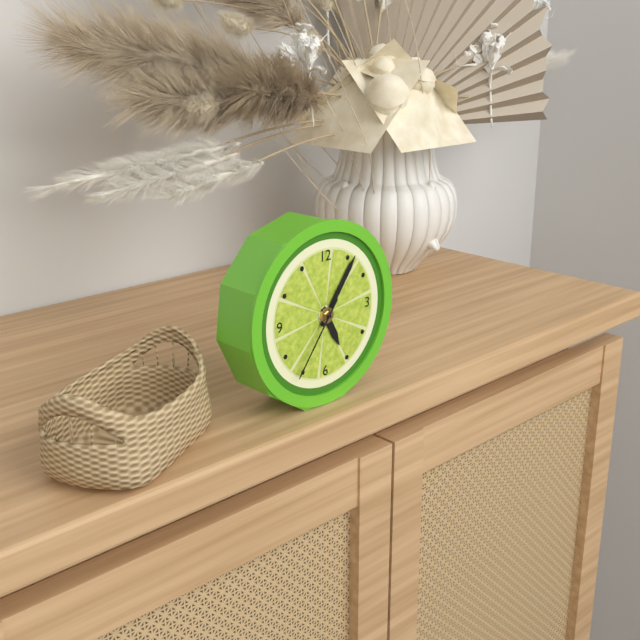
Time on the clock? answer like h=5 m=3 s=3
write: h=5 m=6 s=36
